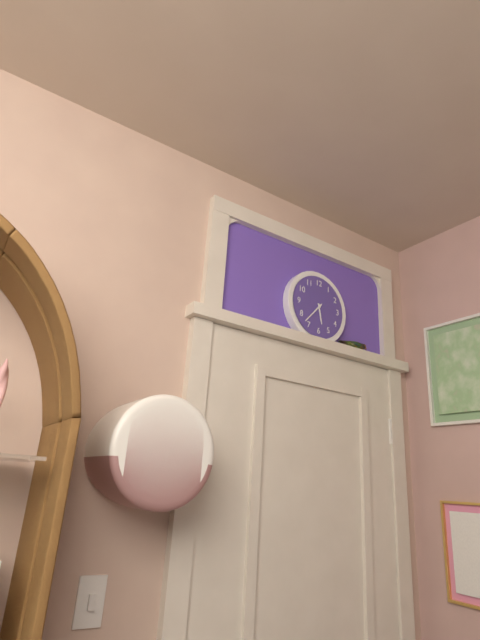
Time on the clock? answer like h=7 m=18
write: h=5 m=37
